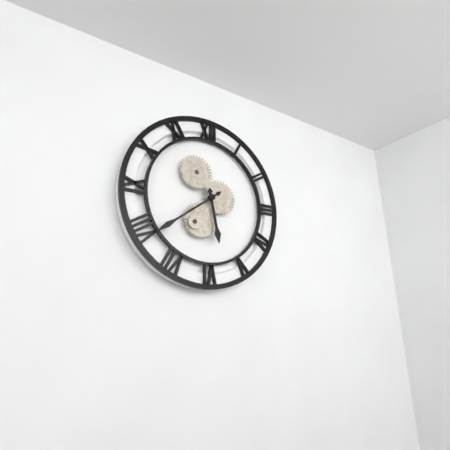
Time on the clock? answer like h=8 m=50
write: h=5 m=39
